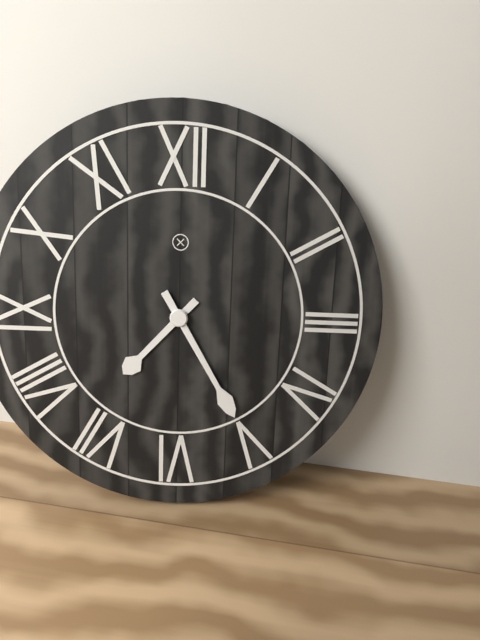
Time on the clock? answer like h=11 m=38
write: h=7 m=25
